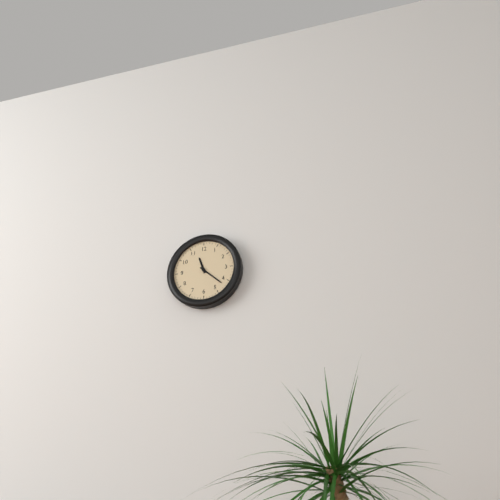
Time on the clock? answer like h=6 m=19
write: h=11 m=22
